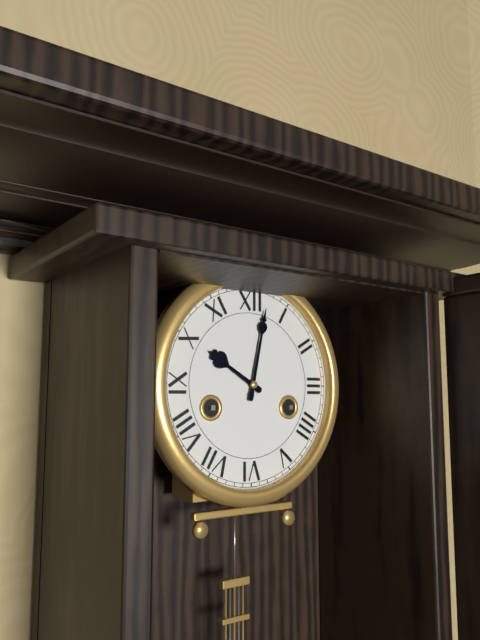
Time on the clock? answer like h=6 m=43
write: h=10 m=2
